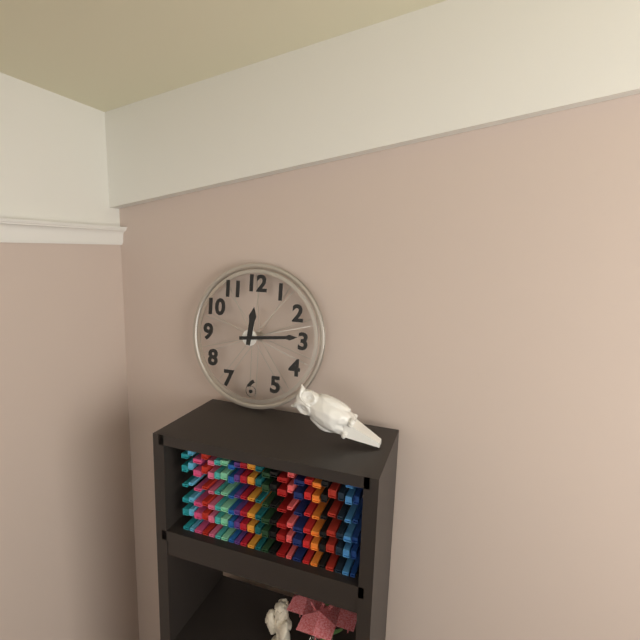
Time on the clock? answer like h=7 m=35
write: h=12 m=14
